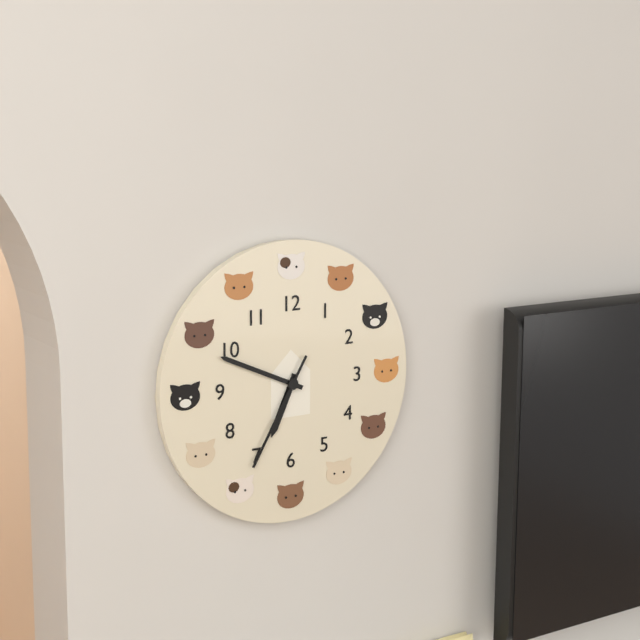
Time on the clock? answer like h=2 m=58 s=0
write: h=6 m=49 s=35
